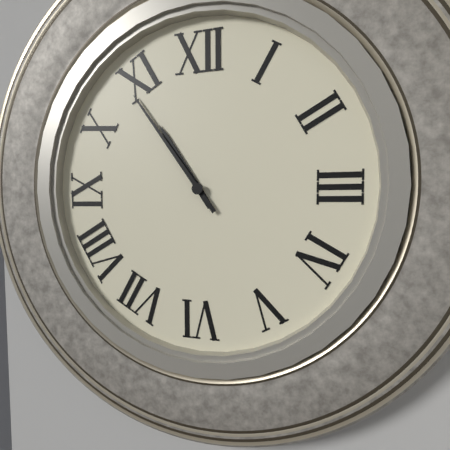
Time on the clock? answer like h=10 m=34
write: h=10 m=54
